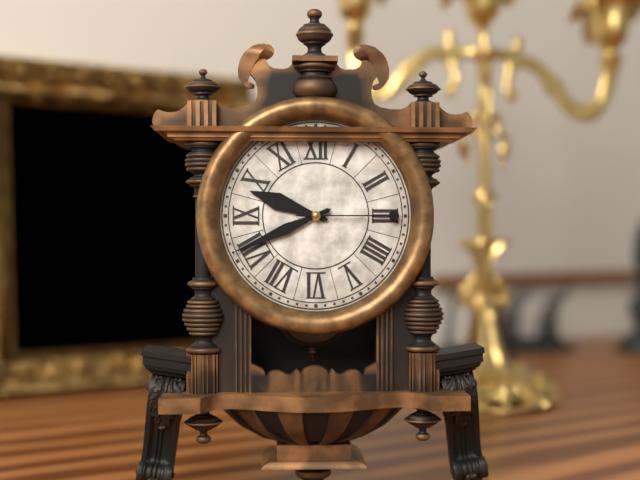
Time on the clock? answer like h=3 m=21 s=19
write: h=9 m=41 s=15
